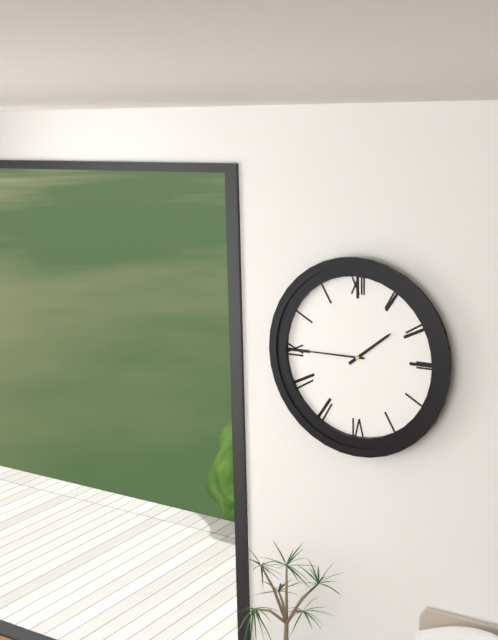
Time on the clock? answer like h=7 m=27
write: h=1 m=45
